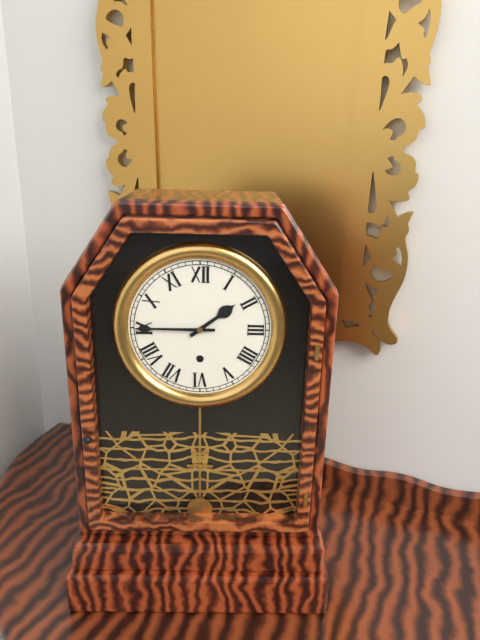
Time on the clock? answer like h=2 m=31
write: h=1 m=45
